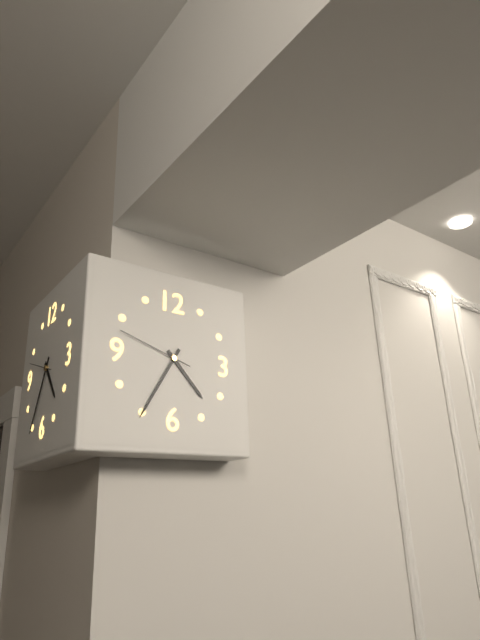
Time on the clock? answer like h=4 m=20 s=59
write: h=4 m=35 s=48
